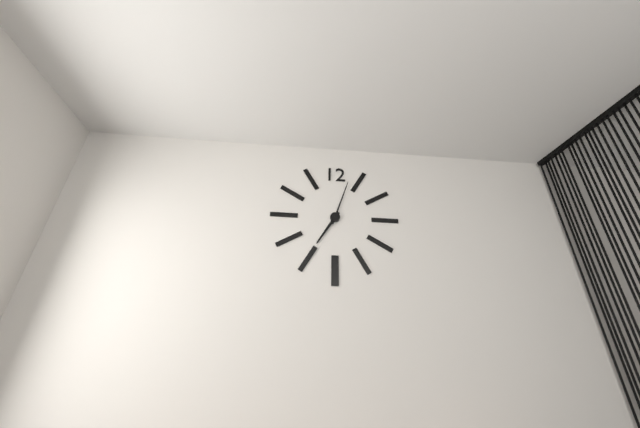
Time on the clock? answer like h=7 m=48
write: h=7 m=3
